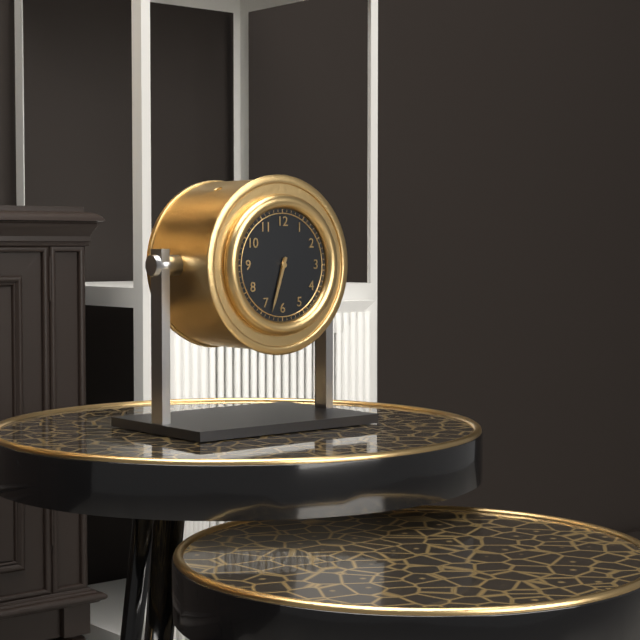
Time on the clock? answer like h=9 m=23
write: h=6 m=33
